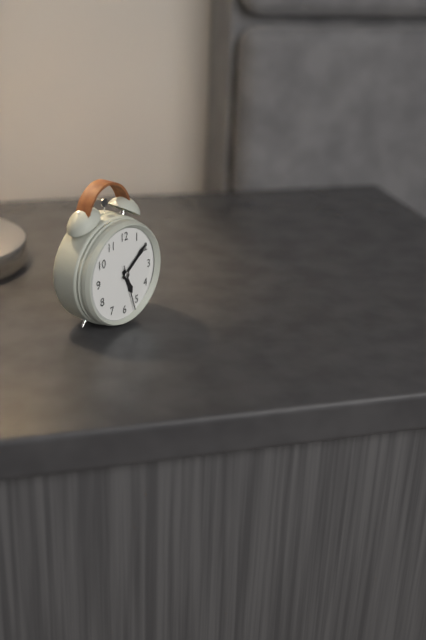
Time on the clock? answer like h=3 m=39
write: h=5 m=9
